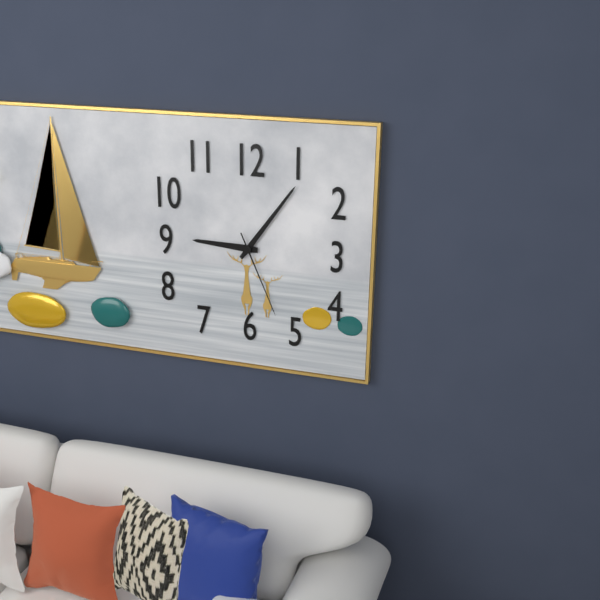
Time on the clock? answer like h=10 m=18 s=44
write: h=9 m=6 s=26
